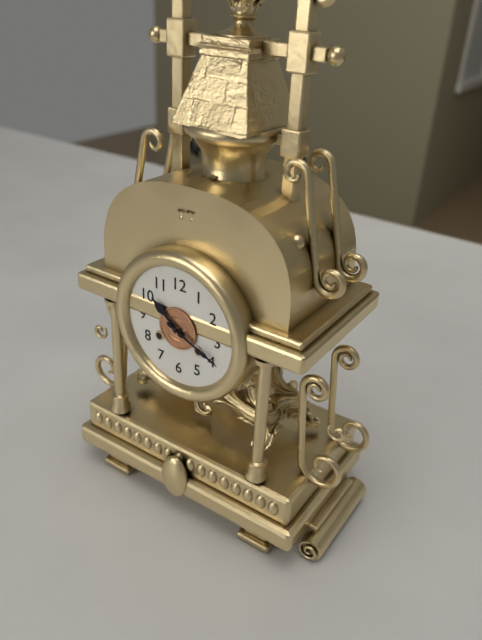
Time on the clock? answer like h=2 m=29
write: h=10 m=19
